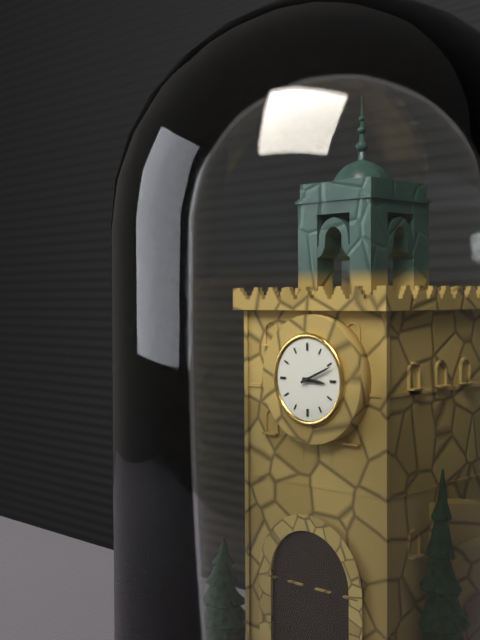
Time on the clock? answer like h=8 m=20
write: h=3 m=11
